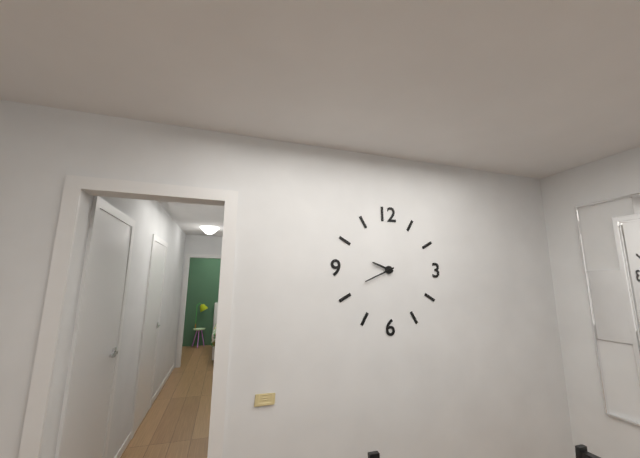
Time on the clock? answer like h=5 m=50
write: h=9 m=41
